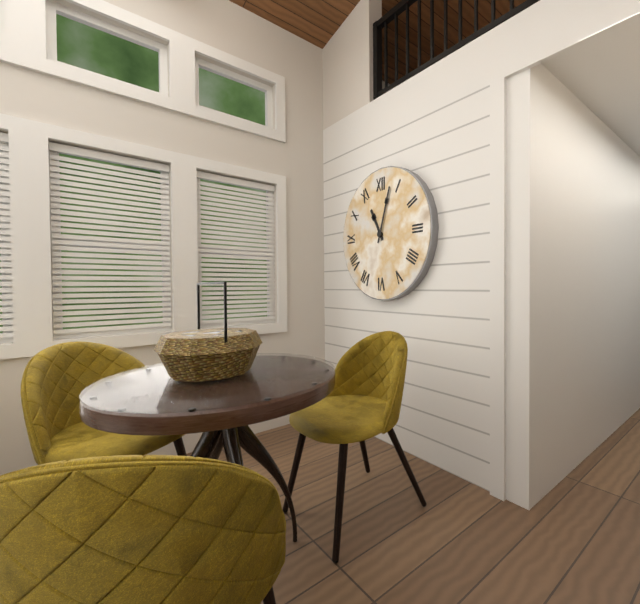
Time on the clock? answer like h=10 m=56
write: h=11 m=3
